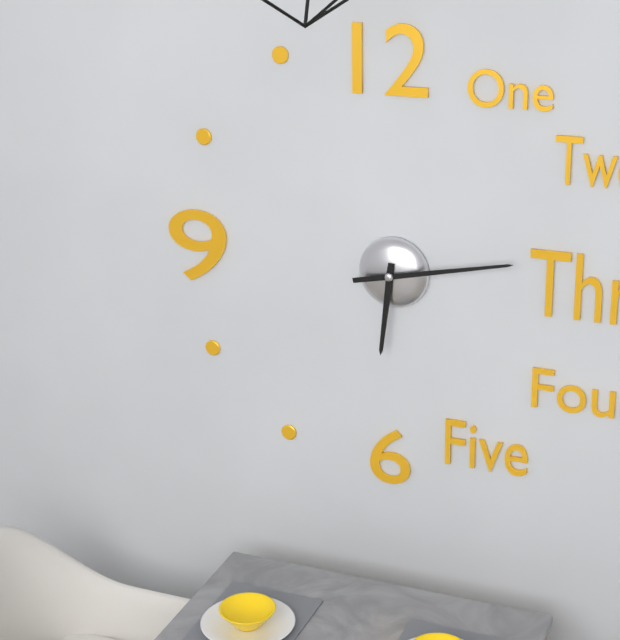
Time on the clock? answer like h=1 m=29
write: h=6 m=13
